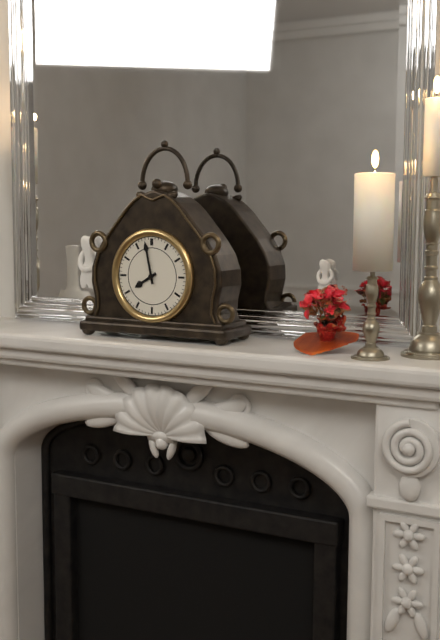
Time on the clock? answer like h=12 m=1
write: h=7 m=58
